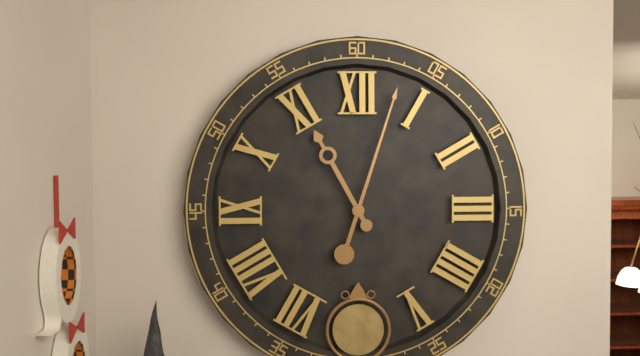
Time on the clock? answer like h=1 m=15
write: h=11 m=3
